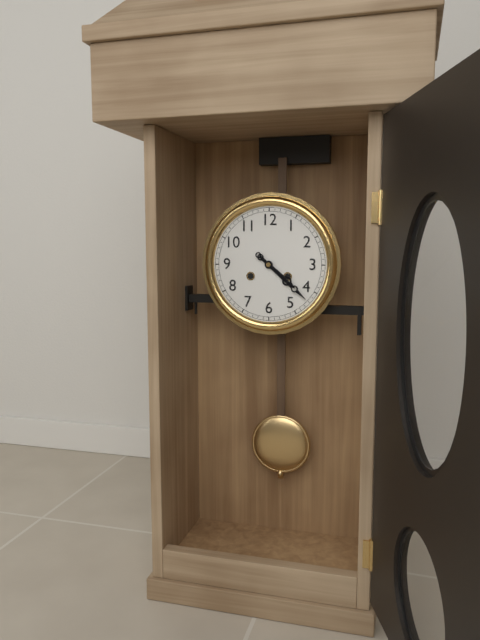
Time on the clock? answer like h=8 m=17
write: h=4 m=22
